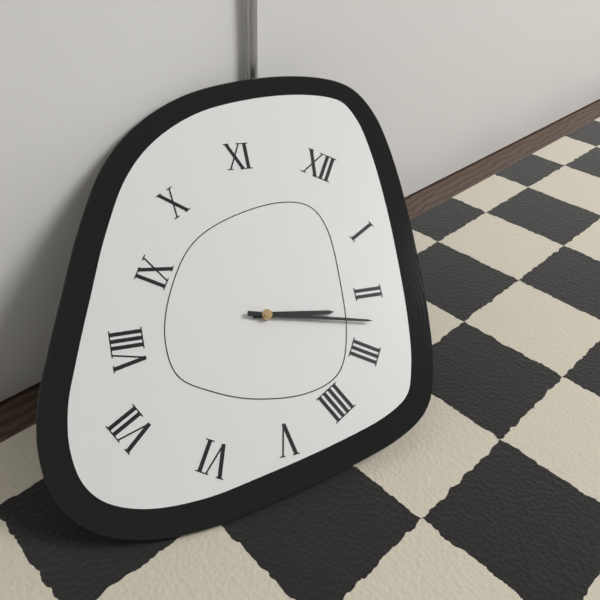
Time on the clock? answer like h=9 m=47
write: h=2 m=12
